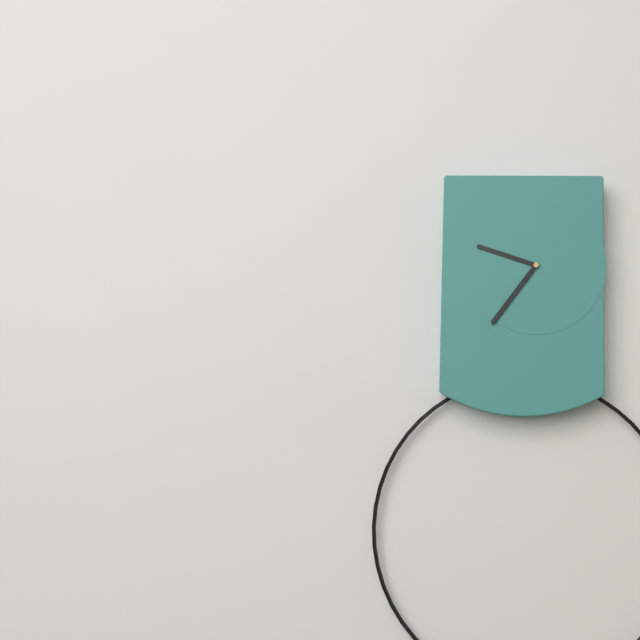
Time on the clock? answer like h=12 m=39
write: h=9 m=36
